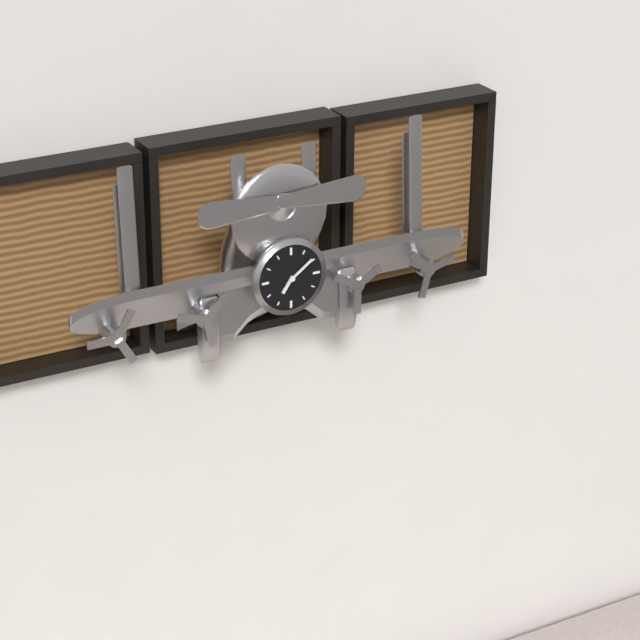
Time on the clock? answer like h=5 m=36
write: h=7 m=9
